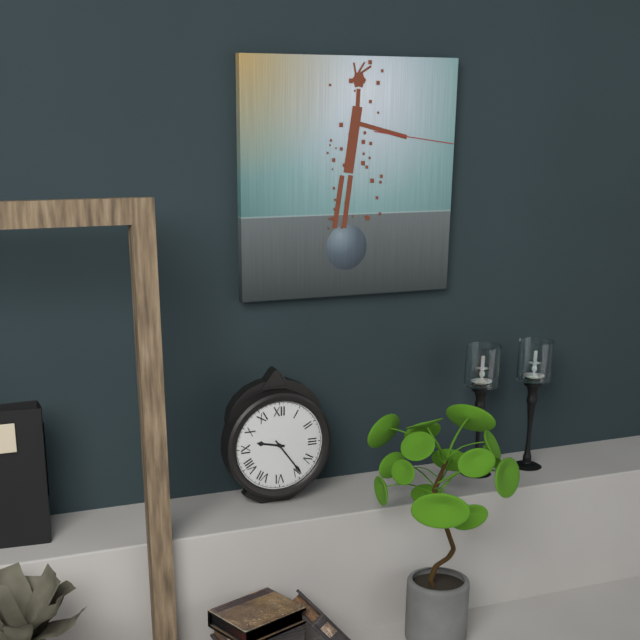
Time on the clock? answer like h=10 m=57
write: h=9 m=24
